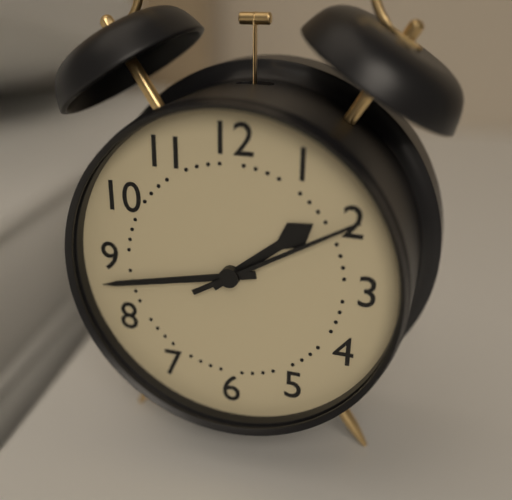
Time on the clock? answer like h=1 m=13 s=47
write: h=1 m=43 s=10
